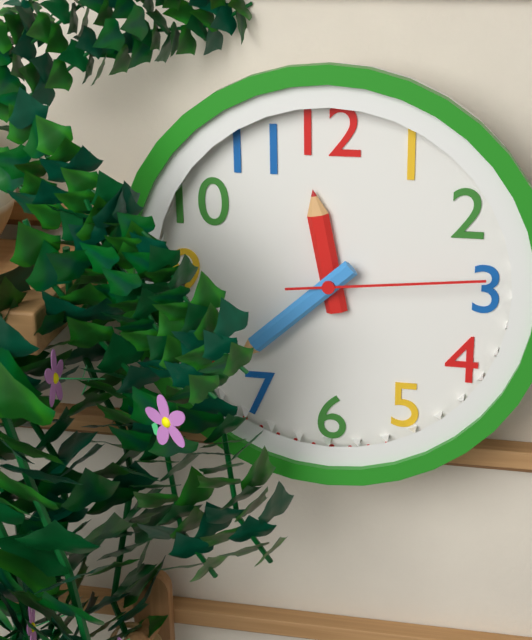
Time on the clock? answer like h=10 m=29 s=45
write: h=11 m=38 s=14
